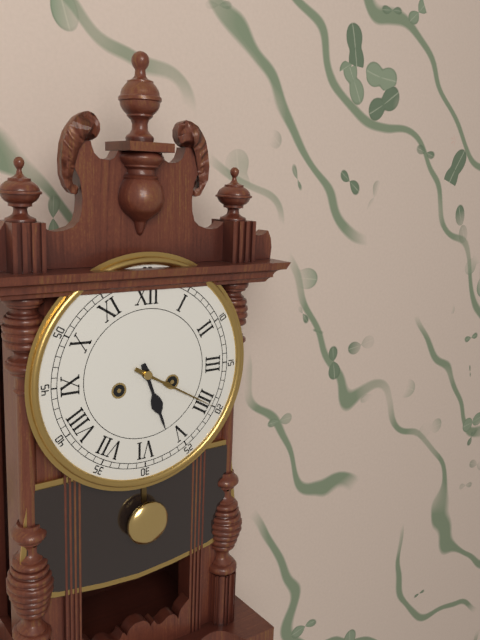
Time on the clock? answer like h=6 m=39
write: h=5 m=20
